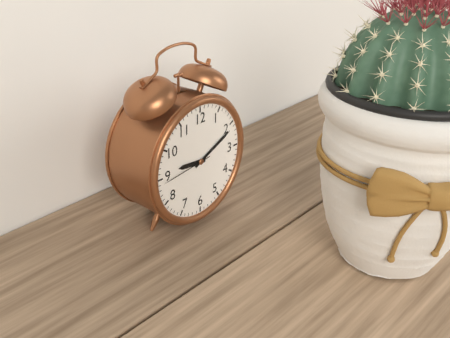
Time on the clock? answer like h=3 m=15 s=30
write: h=9 m=11 s=44
